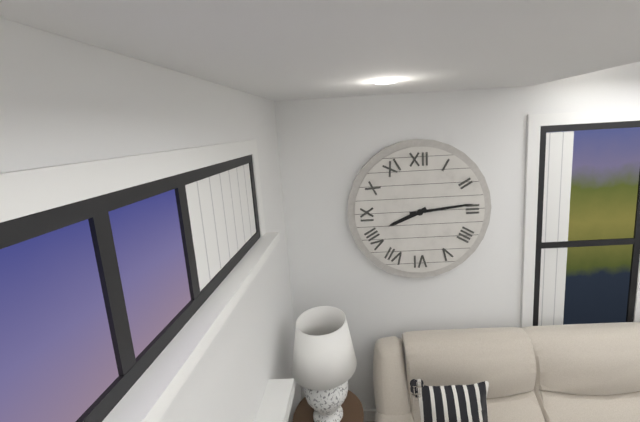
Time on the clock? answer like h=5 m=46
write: h=8 m=14
